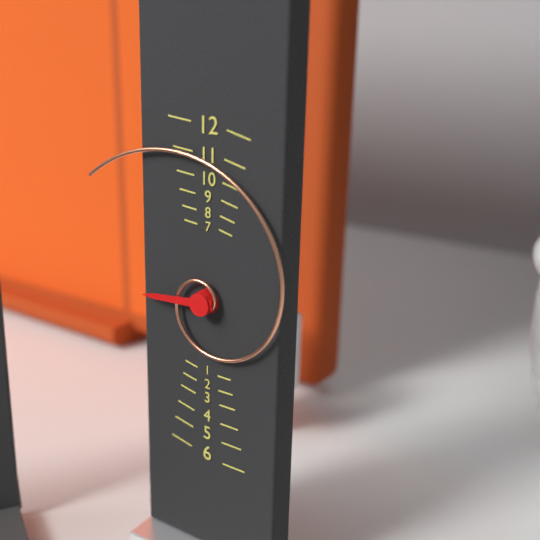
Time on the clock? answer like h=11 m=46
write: h=8 m=51
